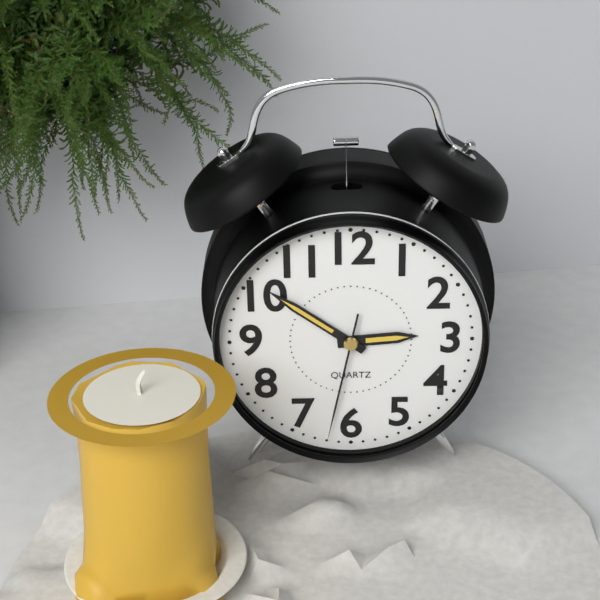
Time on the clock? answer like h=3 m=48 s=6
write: h=2 m=51 s=32
